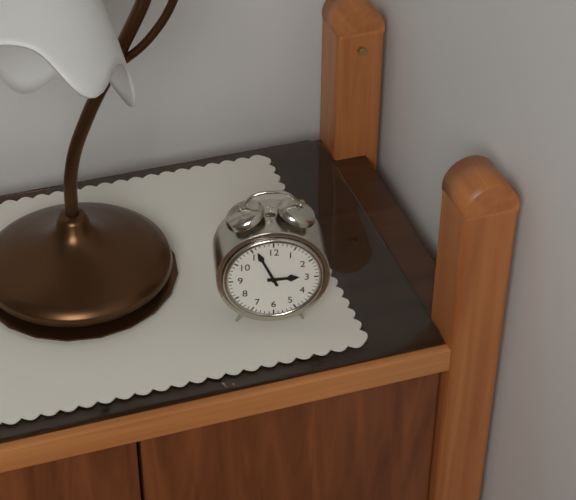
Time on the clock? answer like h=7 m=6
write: h=2 m=56
